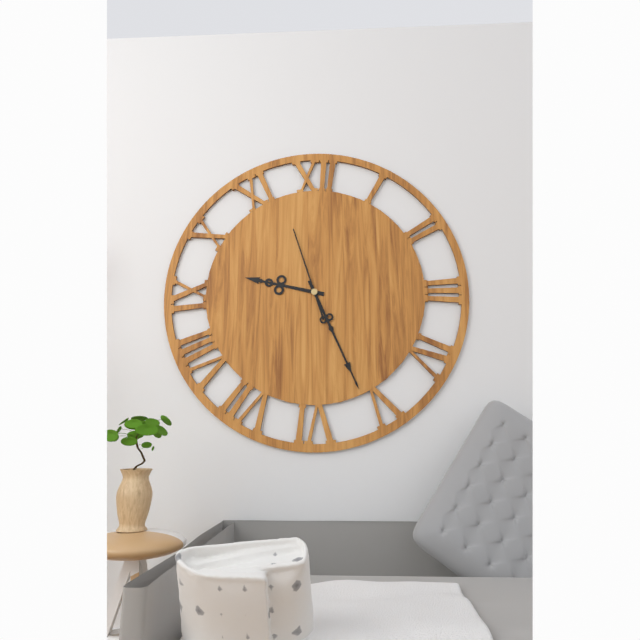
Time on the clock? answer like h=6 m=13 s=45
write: h=9 m=26 s=57
